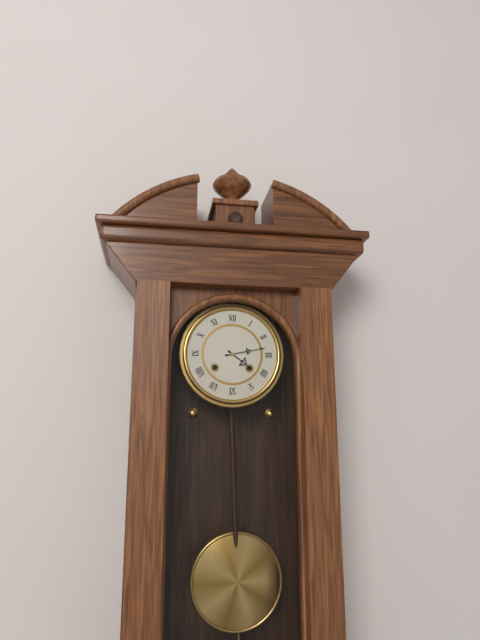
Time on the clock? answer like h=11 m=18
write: h=4 m=13
